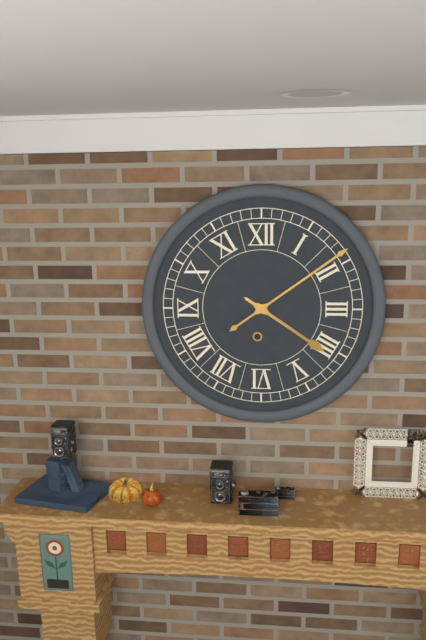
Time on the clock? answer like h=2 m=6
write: h=4 m=9
